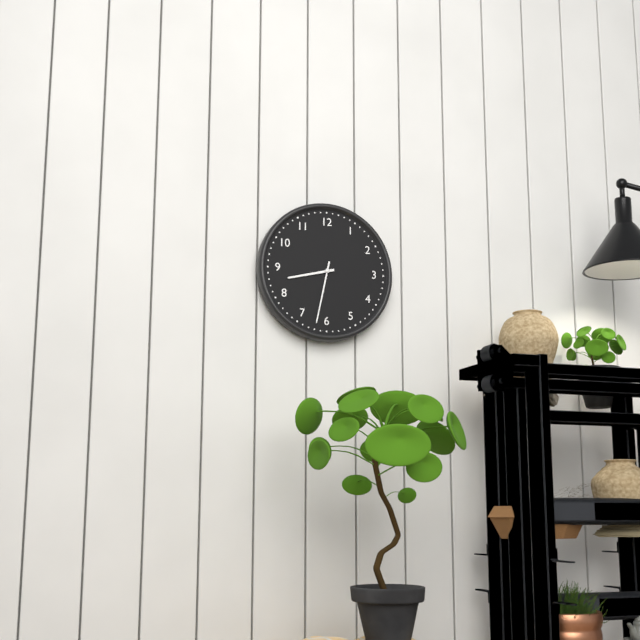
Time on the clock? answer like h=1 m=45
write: h=8 m=32
